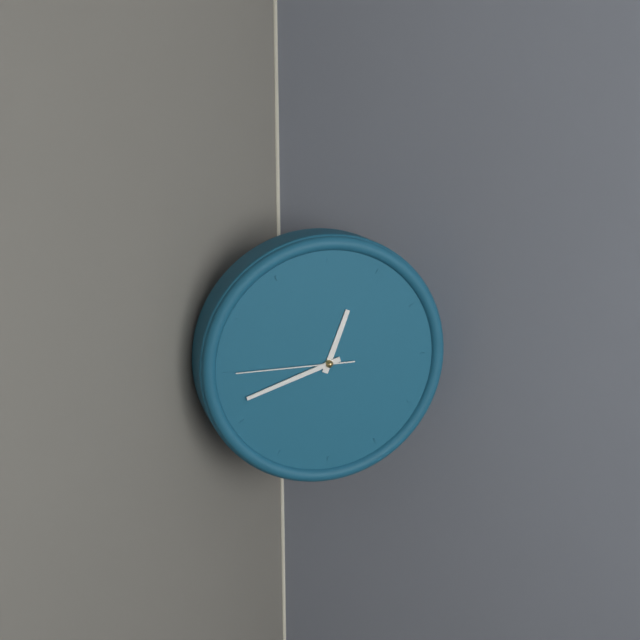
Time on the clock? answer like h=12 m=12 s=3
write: h=12 m=42 s=45
